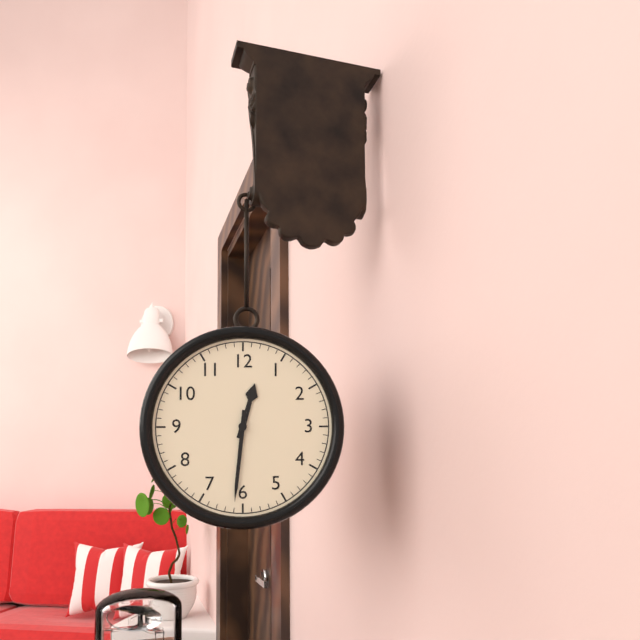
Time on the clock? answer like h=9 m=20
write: h=12 m=31
